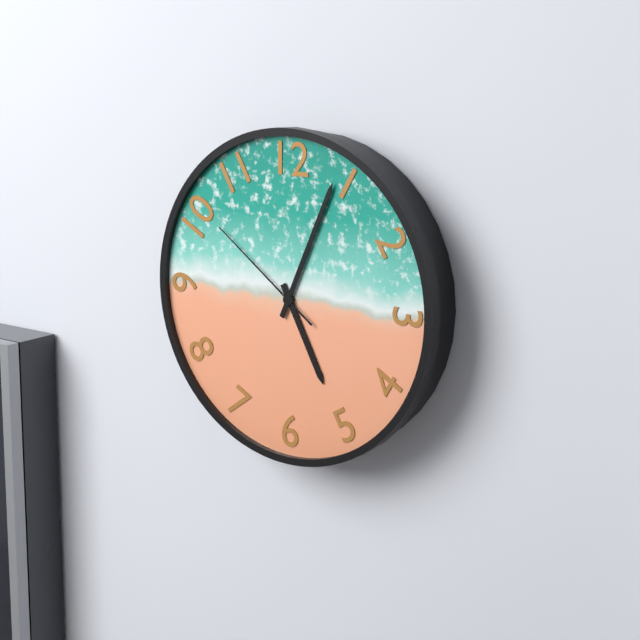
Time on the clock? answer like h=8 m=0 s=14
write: h=5 m=4 s=51
